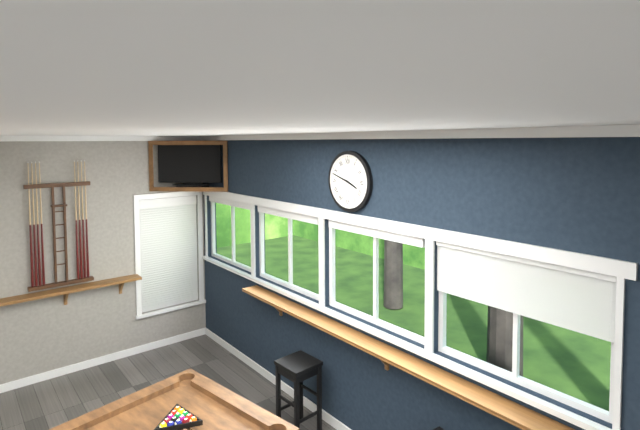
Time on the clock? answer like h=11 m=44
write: h=3 m=48
